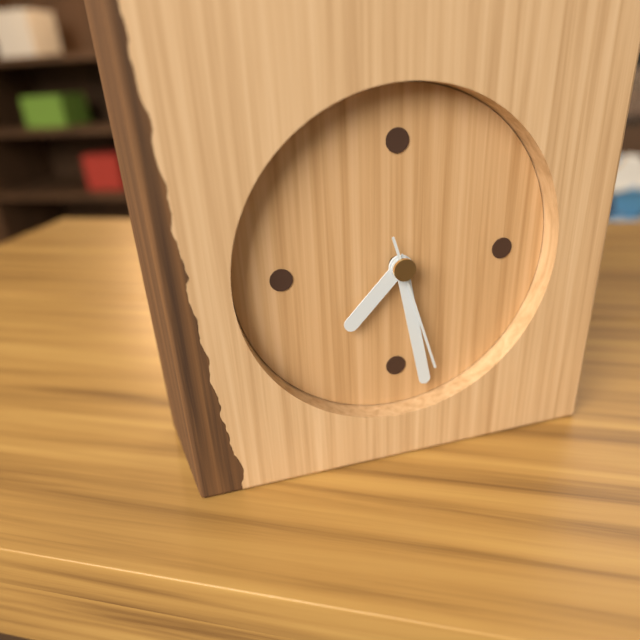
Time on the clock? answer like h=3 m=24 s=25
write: h=7 m=28 s=27
